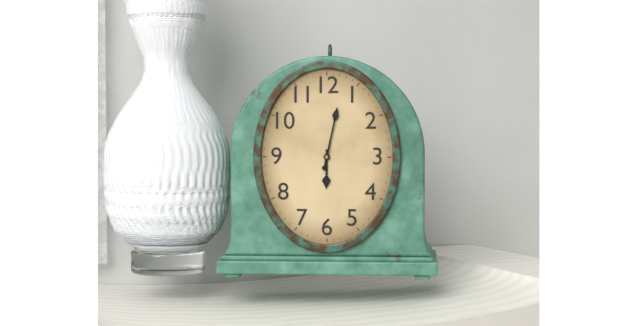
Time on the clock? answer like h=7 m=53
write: h=6 m=2
